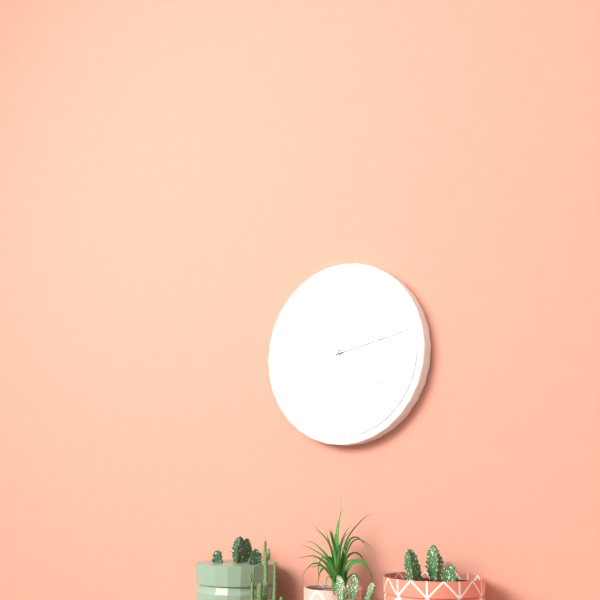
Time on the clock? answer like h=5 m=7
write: h=4 m=13
